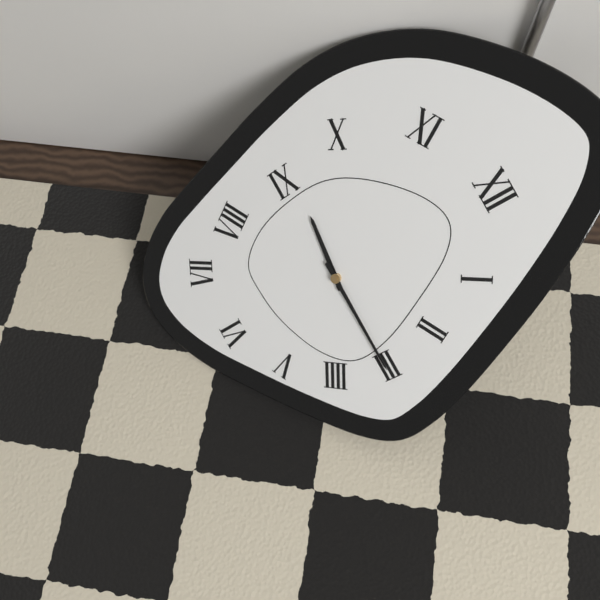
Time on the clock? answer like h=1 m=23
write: h=9 m=15
